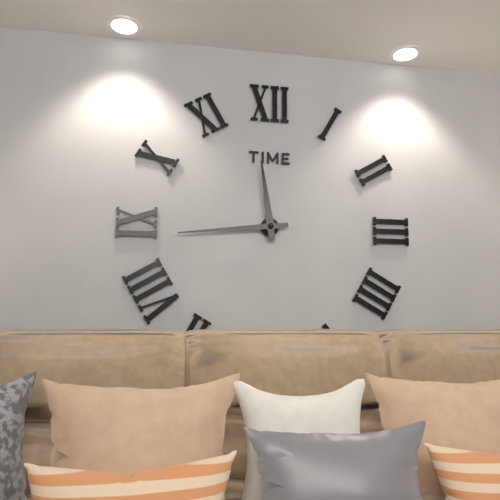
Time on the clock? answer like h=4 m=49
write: h=11 m=44
